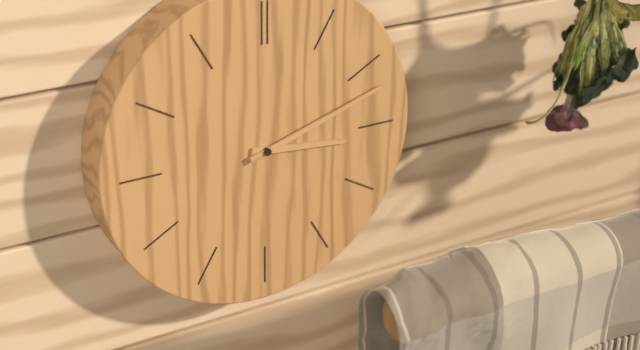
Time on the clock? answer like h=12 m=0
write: h=3 m=12
